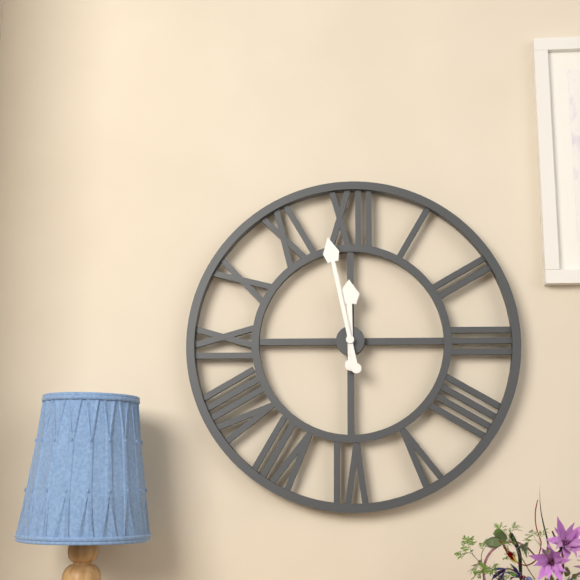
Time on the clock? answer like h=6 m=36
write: h=11 m=58
